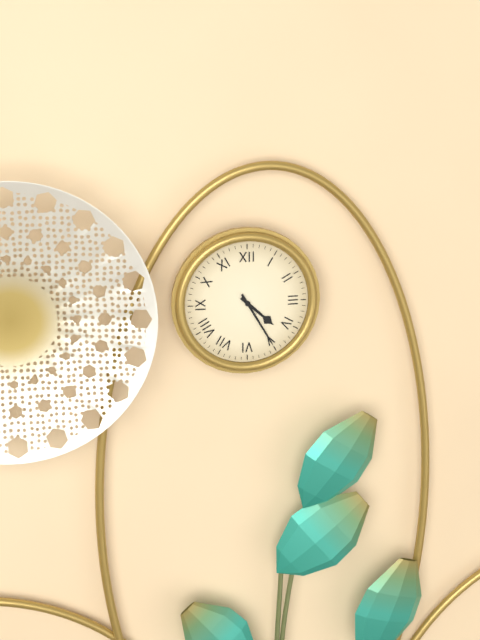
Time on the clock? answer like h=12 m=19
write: h=4 m=25
